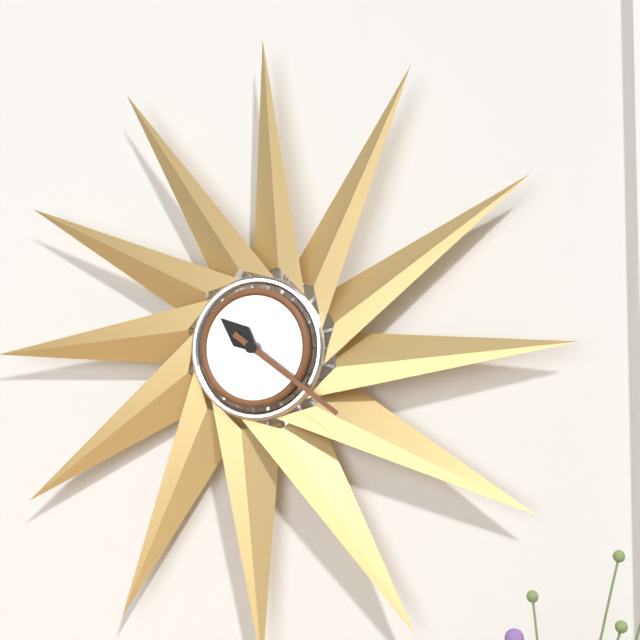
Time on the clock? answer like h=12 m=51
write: h=10 m=21
